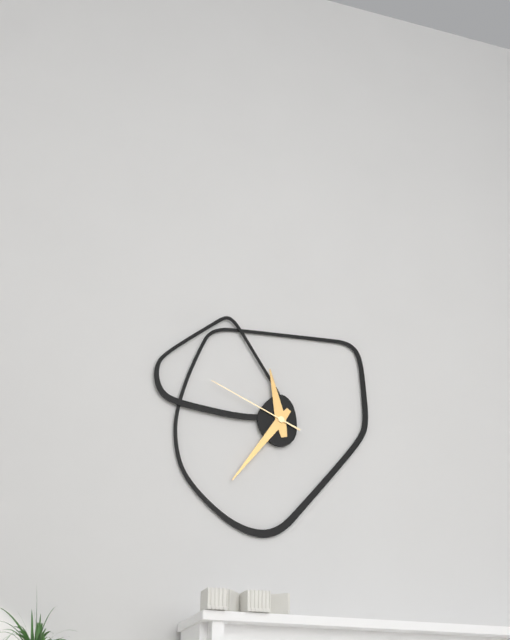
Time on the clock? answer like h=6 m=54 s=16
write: h=11 m=36 s=49
